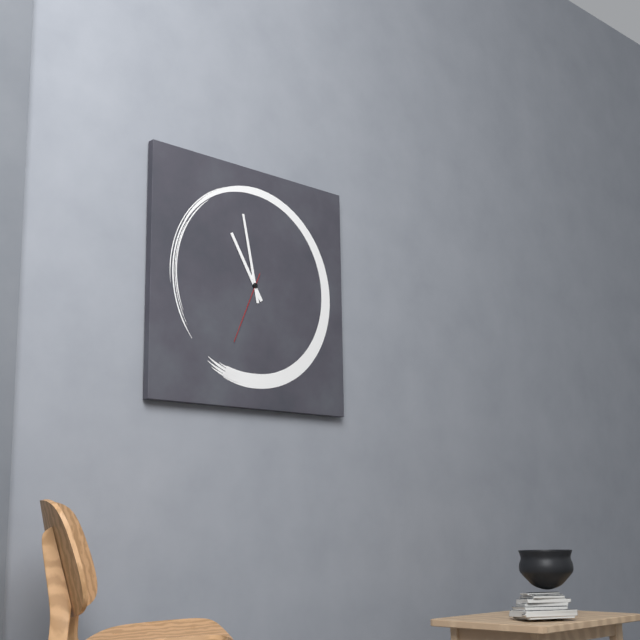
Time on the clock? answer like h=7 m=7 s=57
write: h=10 m=58 s=34
